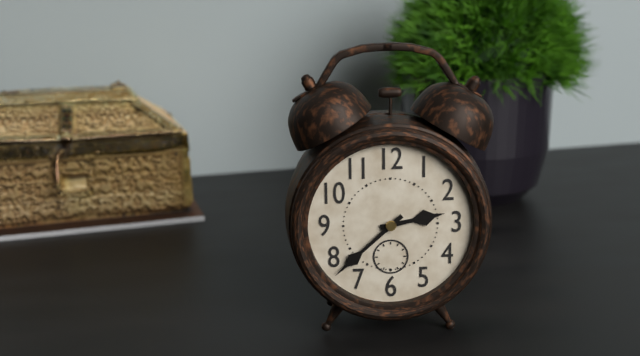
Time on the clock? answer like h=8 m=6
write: h=2 m=38
